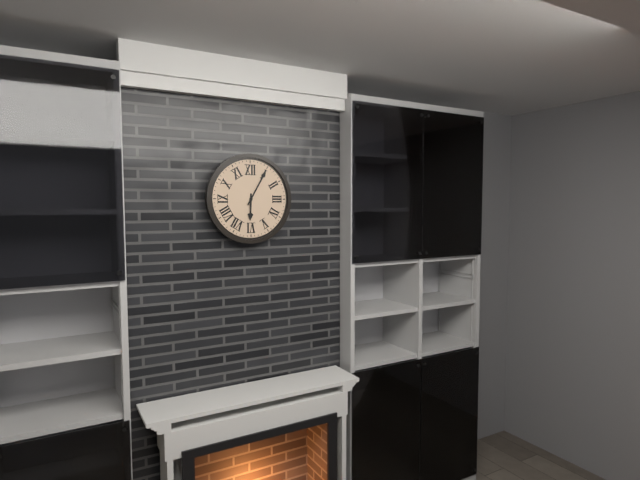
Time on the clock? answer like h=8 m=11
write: h=6 m=5
